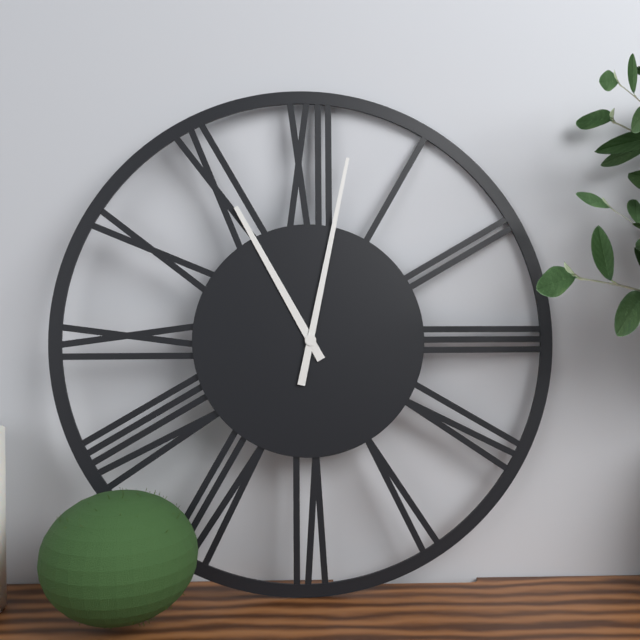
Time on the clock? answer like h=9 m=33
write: h=11 m=2
